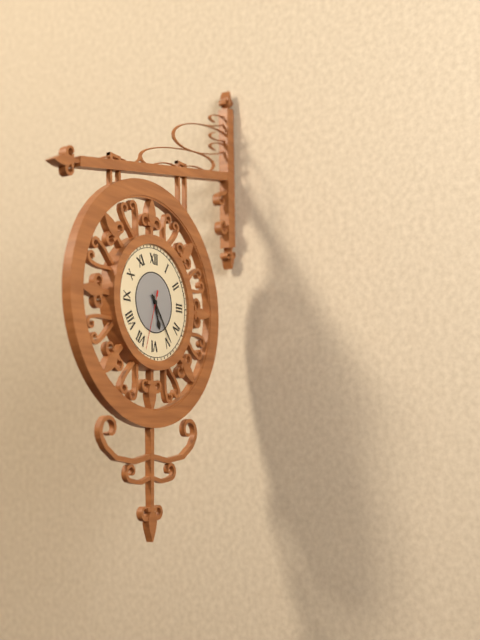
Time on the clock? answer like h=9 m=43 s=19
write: h=5 m=24 s=33
